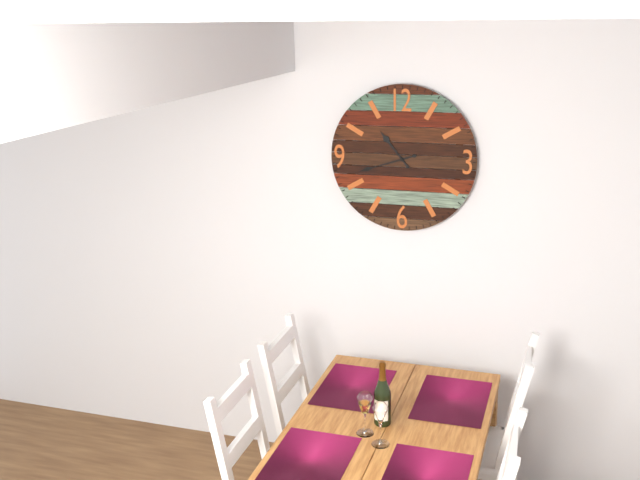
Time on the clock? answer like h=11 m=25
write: h=10 m=42
